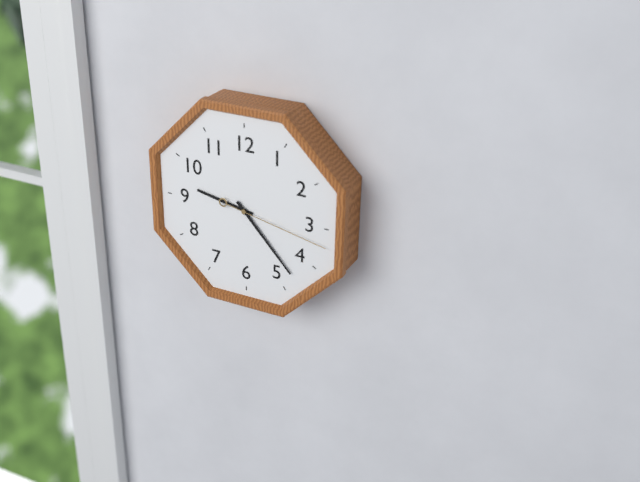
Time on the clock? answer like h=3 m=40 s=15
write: h=9 m=23 s=17
